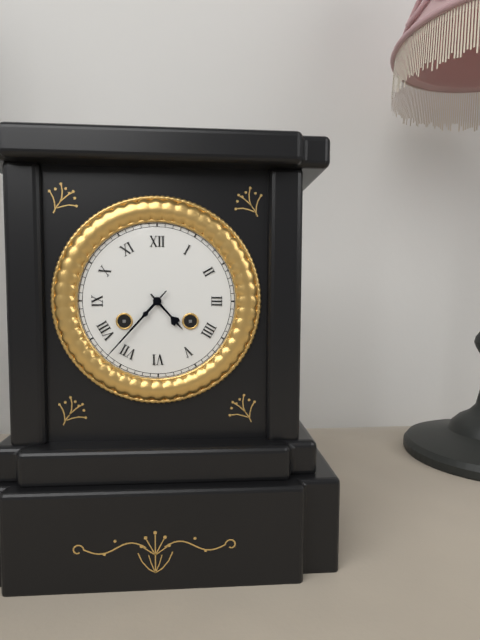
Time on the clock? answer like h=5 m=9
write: h=4 m=37
